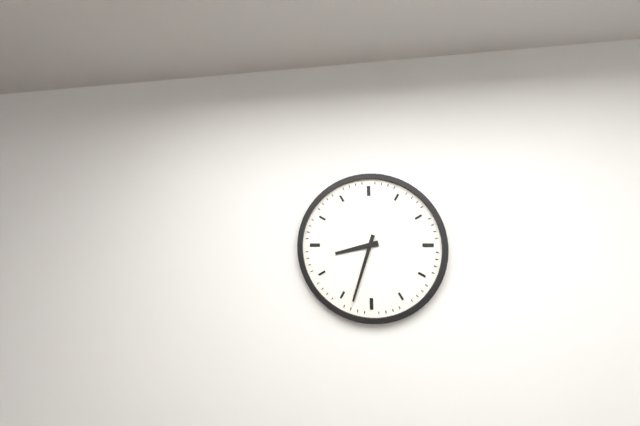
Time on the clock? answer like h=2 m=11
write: h=8 m=33
